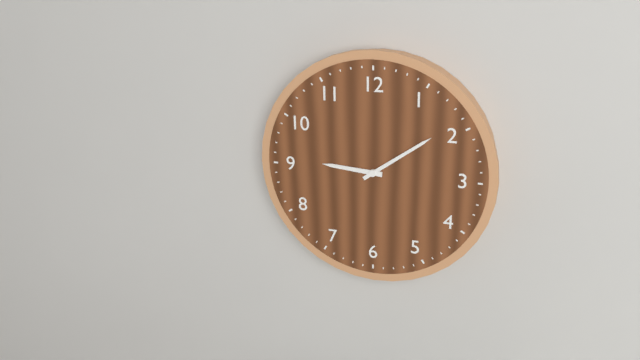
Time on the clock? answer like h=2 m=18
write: h=9 m=9
